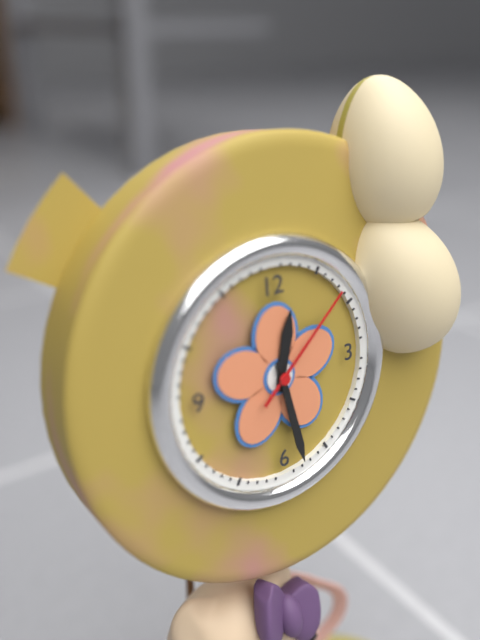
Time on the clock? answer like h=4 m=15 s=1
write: h=12 m=28 s=8
